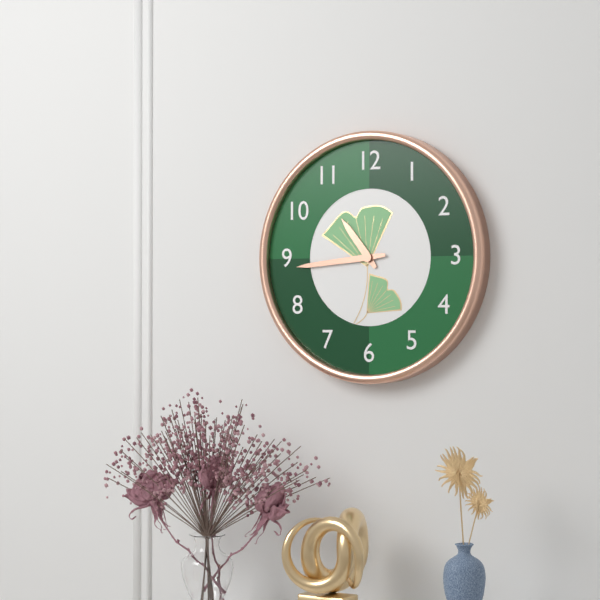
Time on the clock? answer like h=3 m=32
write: h=10 m=44
